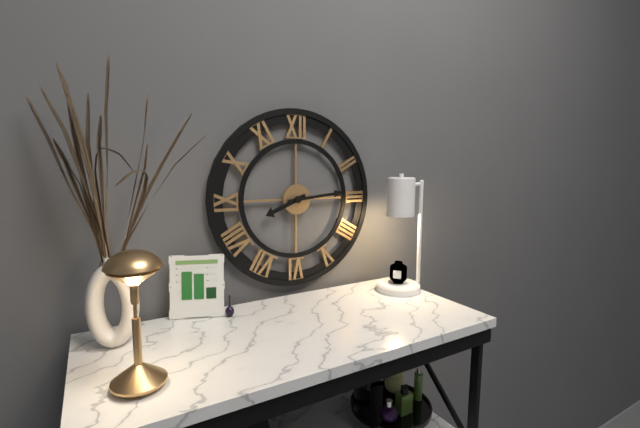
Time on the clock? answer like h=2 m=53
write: h=8 m=14
